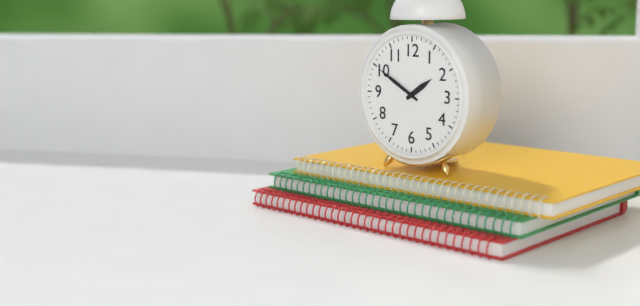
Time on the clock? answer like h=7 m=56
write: h=1 m=50
